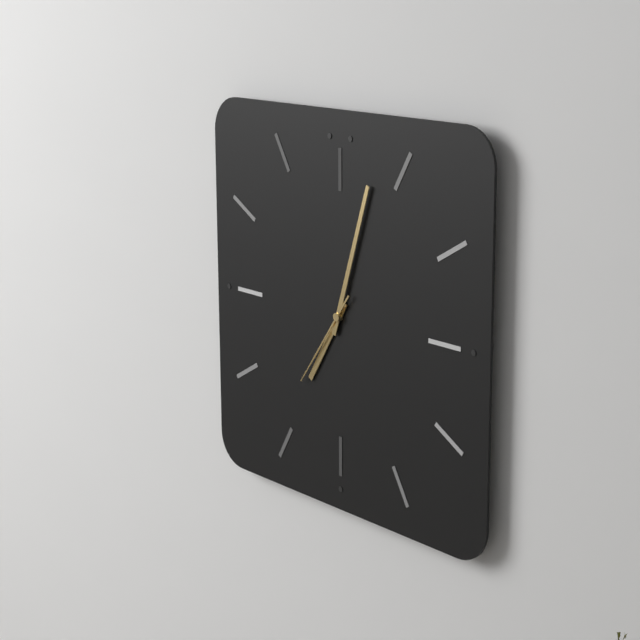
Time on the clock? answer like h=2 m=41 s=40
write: h=7 m=3 s=36
